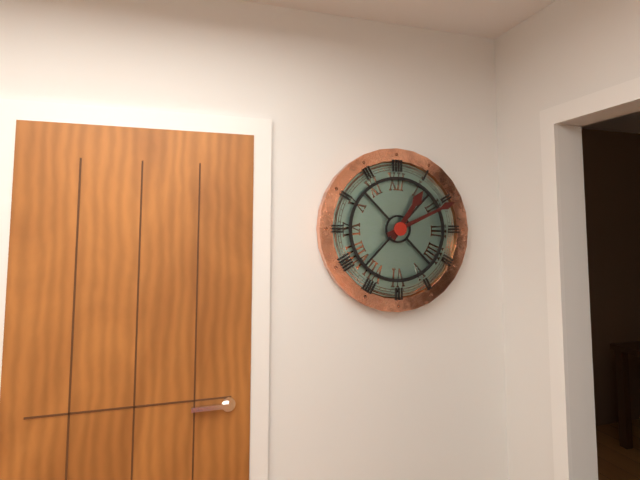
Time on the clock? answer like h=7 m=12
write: h=1 m=11
